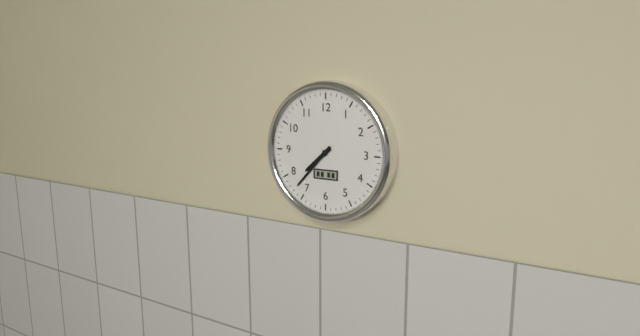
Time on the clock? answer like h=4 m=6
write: h=7 m=37
